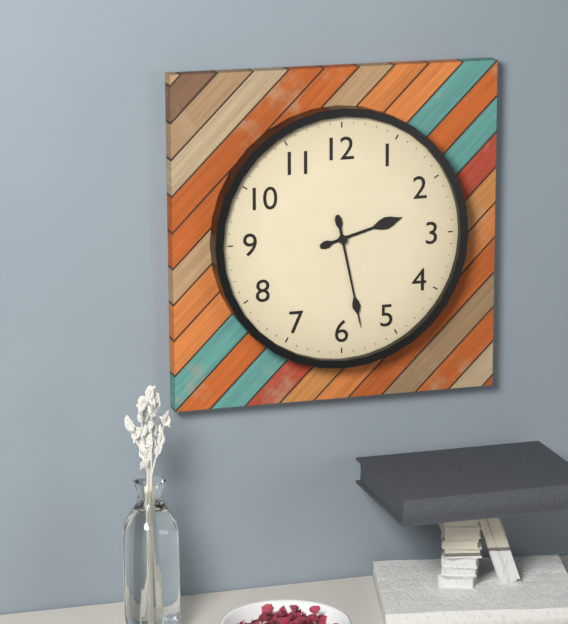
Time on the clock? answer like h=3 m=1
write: h=2 m=28
